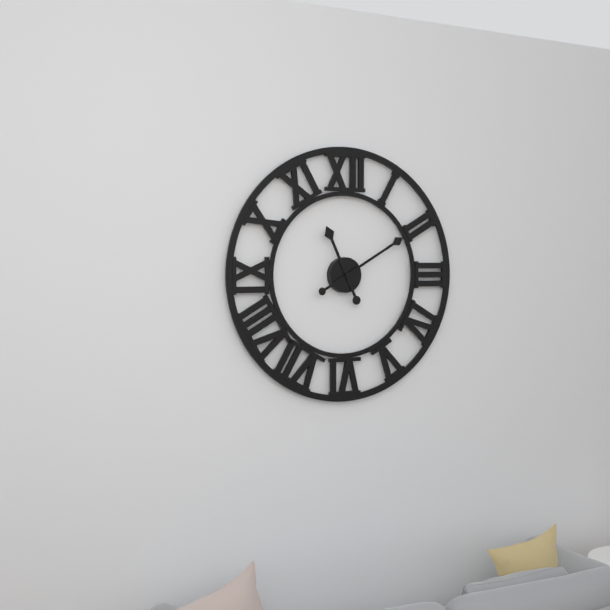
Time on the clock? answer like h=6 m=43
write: h=11 m=10
